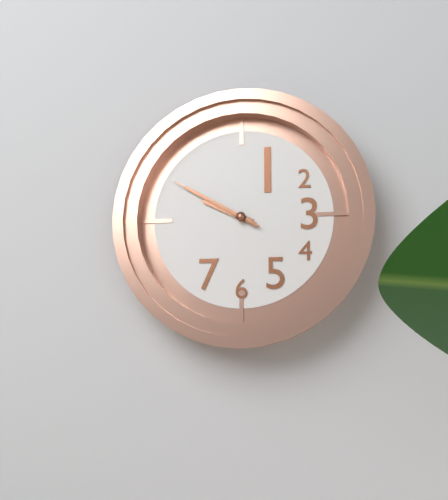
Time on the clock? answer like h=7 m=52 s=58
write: h=9 m=50 s=50
